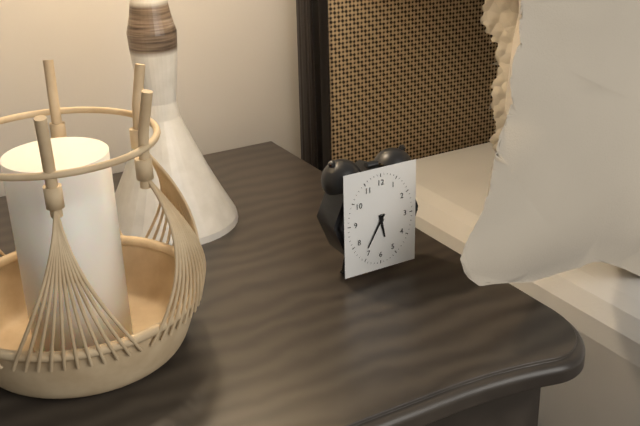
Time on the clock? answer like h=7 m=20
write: h=5 m=35
